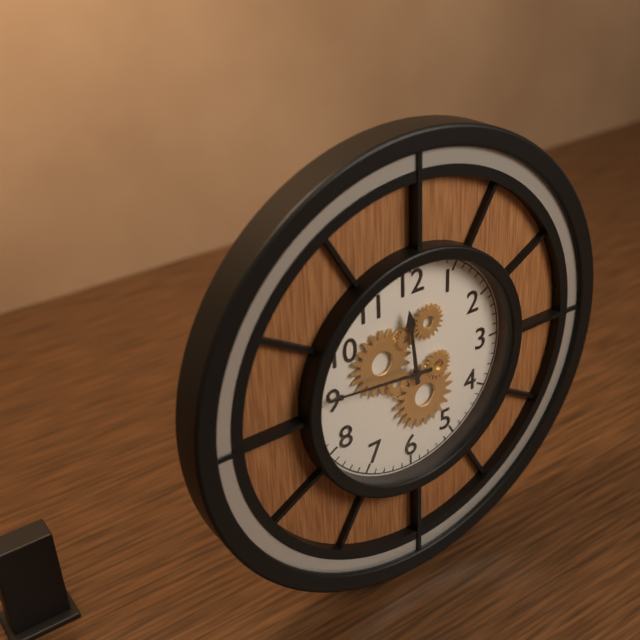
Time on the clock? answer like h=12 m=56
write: h=11 m=46
